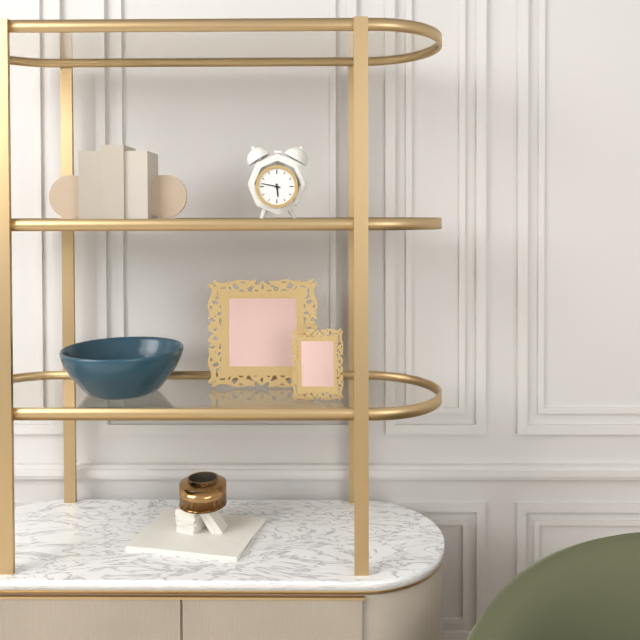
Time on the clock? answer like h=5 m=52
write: h=5 m=47
